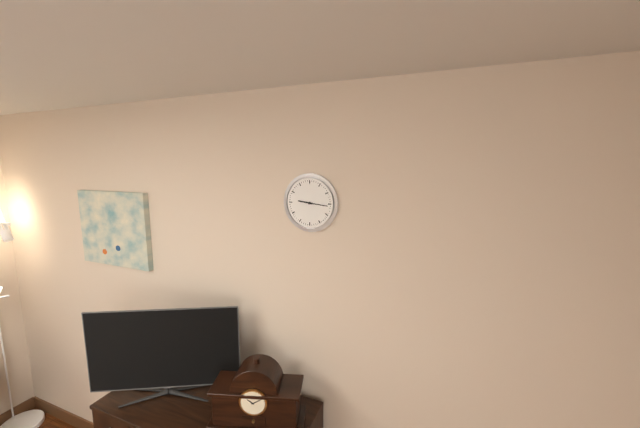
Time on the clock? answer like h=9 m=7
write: h=9 m=16
